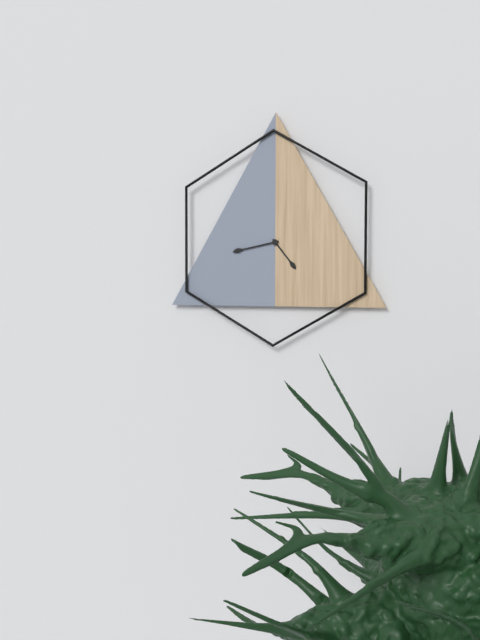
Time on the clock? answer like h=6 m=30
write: h=4 m=43
